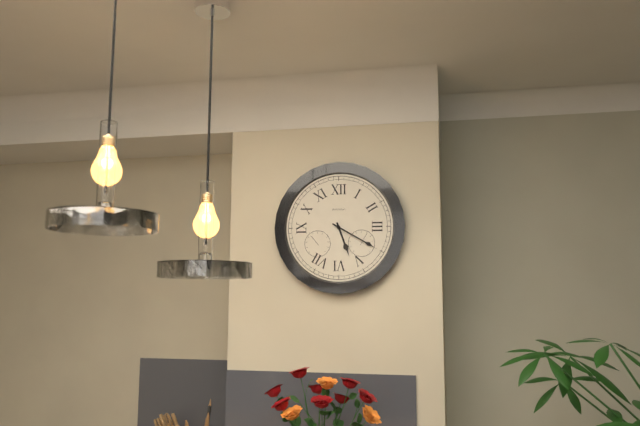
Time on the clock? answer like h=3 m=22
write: h=5 m=20
